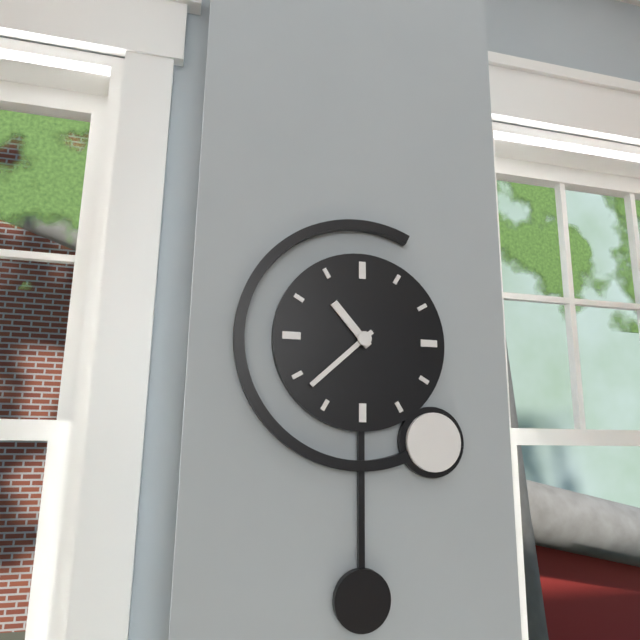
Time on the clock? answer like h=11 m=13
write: h=10 m=38
